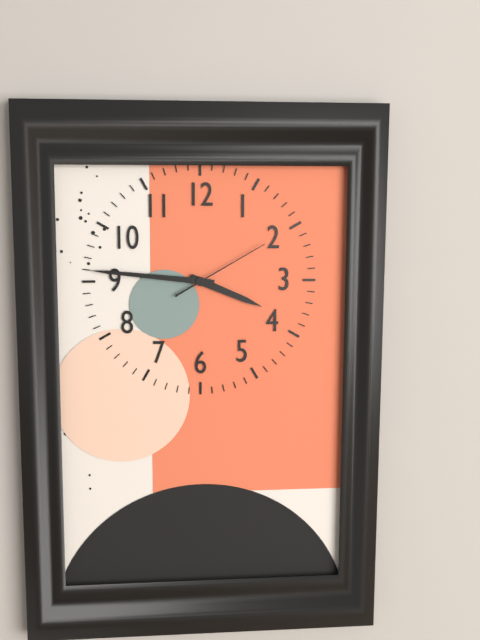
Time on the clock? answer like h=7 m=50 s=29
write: h=3 m=46 s=10
